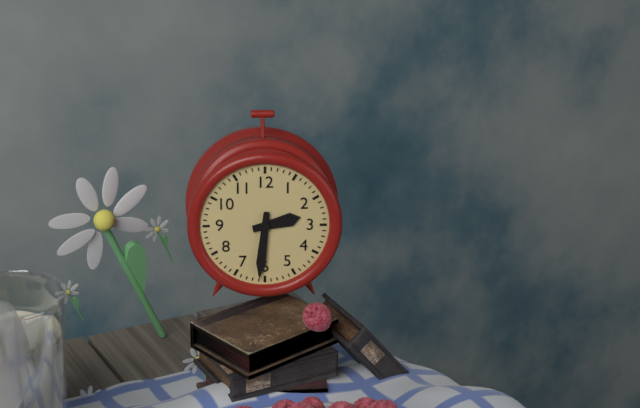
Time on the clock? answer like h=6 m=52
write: h=2 m=31
